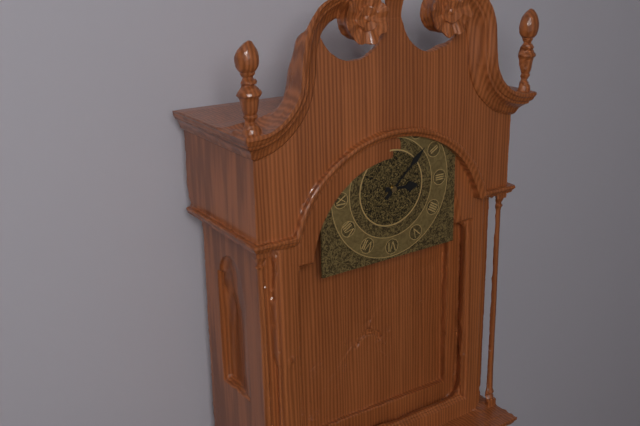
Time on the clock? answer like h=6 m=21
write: h=3 m=8
